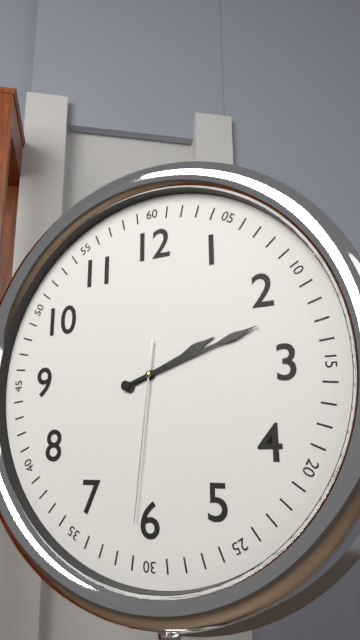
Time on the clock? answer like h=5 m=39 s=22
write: h=2 m=12 s=31
